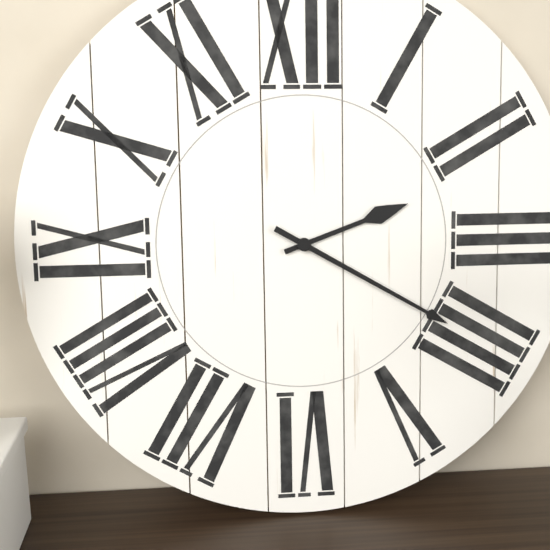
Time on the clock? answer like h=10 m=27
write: h=2 m=20
